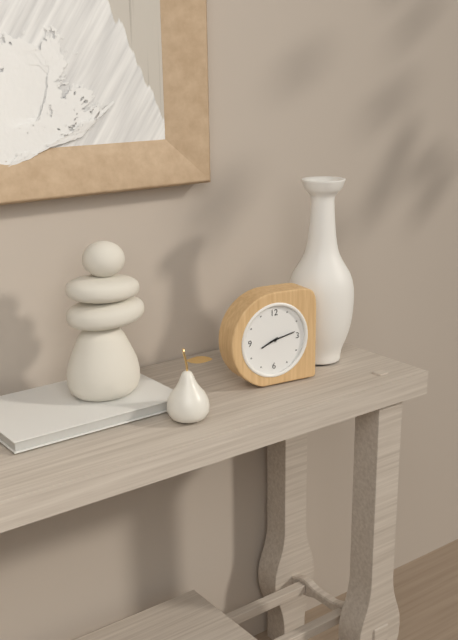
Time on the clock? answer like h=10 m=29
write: h=8 m=13
